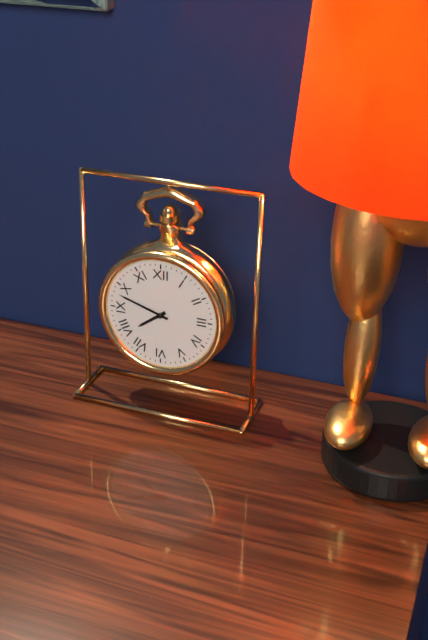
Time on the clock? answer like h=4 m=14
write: h=7 m=48
